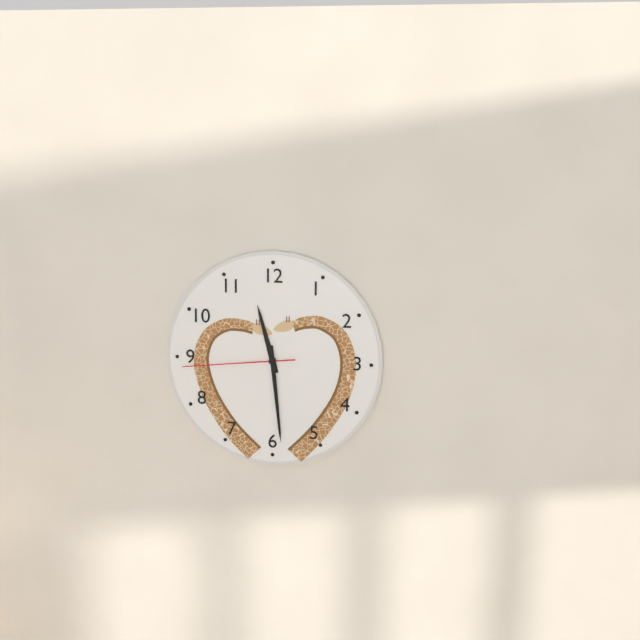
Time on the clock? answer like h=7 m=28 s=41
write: h=11 m=29 s=44
